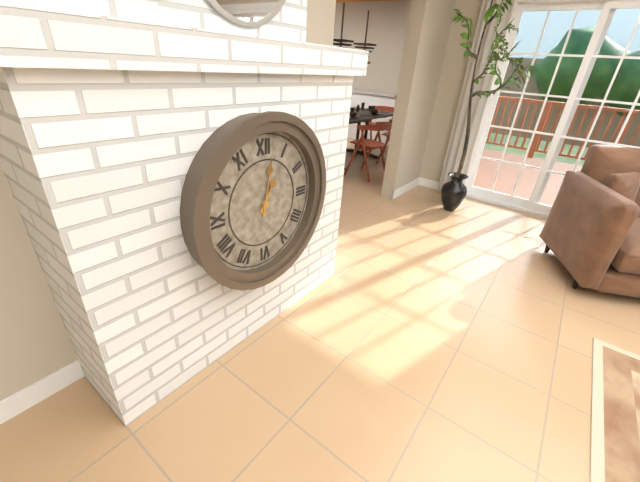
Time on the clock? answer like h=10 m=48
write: h=1 m=2
